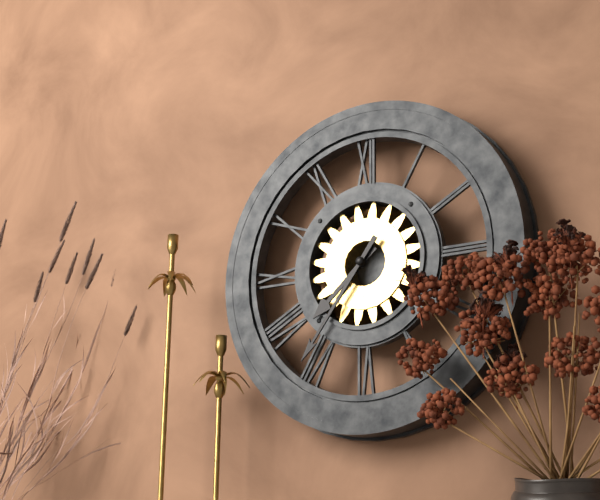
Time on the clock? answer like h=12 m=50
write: h=7 m=36
